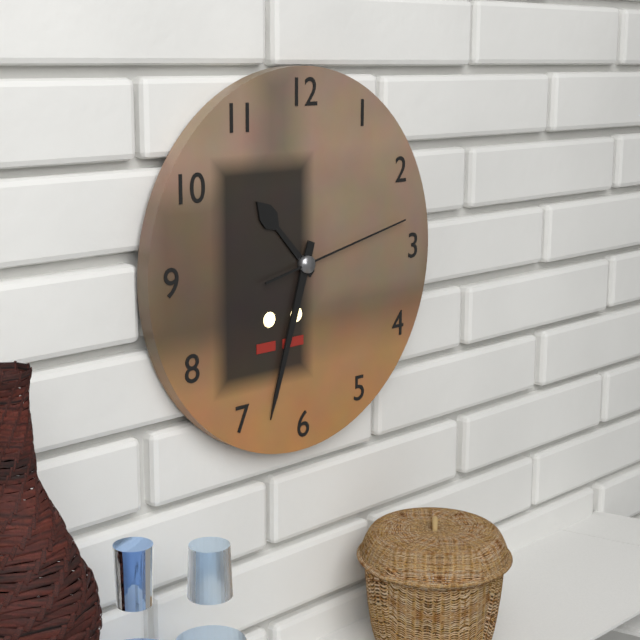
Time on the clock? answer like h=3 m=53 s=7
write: h=10 m=33 s=13
